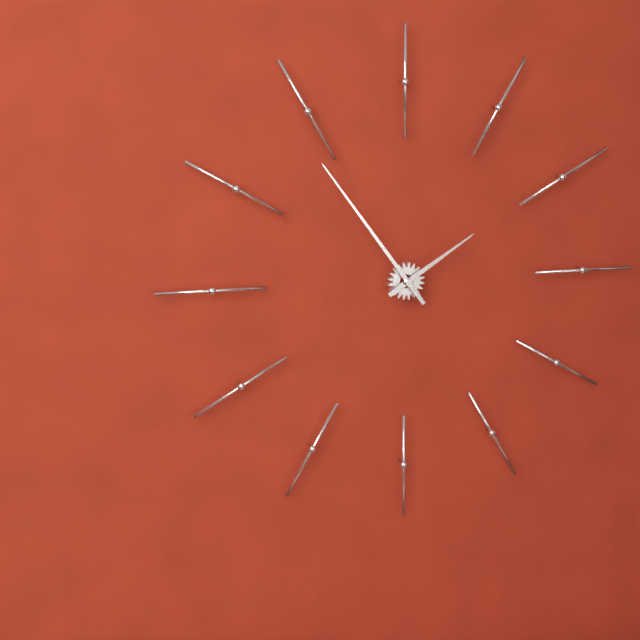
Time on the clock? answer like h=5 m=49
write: h=1 m=54
